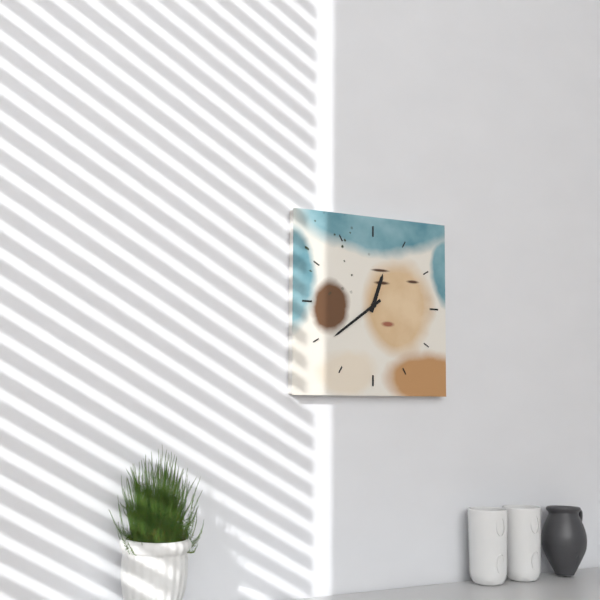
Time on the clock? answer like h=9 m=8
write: h=12 m=39
